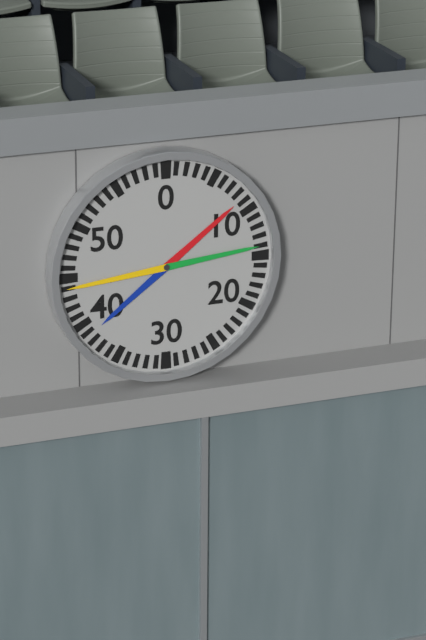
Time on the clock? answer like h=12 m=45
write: h=1 m=44
